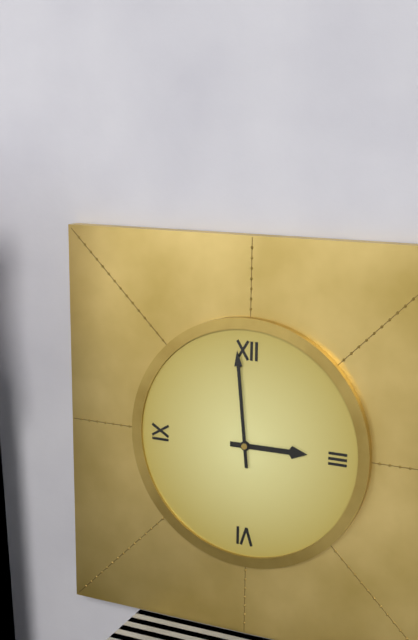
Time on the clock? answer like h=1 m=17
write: h=2 m=59
